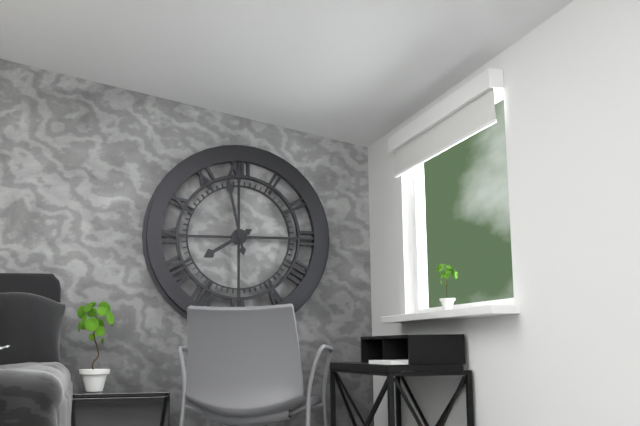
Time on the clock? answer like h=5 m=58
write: h=7 m=58
